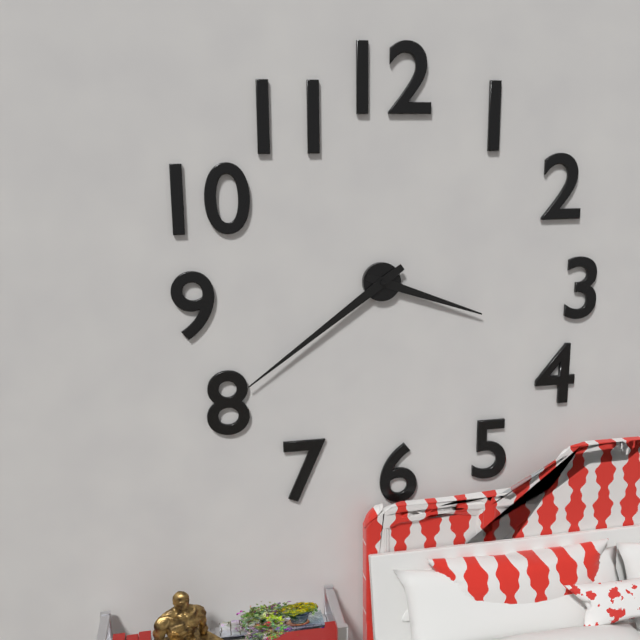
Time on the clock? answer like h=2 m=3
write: h=3 m=39
